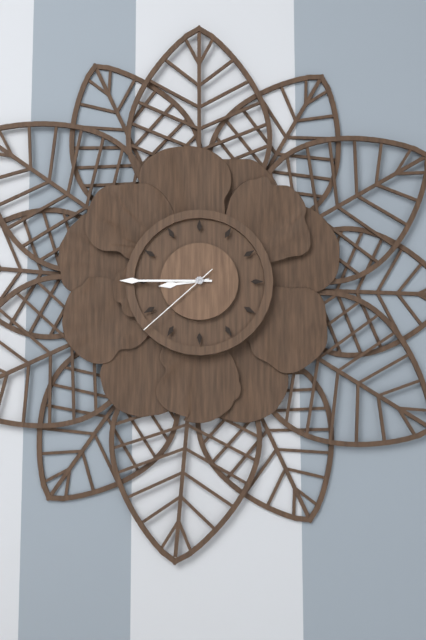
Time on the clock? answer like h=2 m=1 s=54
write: h=8 m=45 s=38
